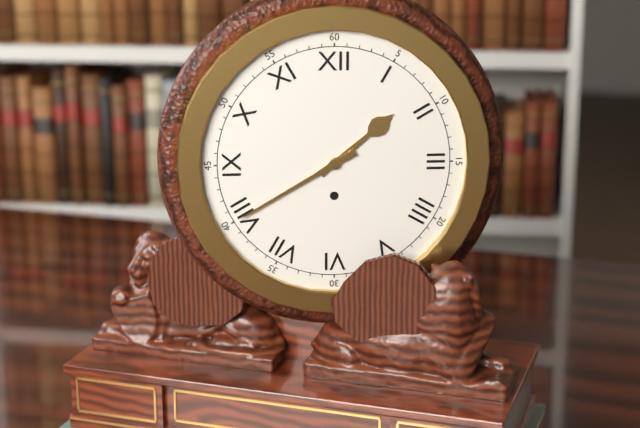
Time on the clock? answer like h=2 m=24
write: h=1 m=40
